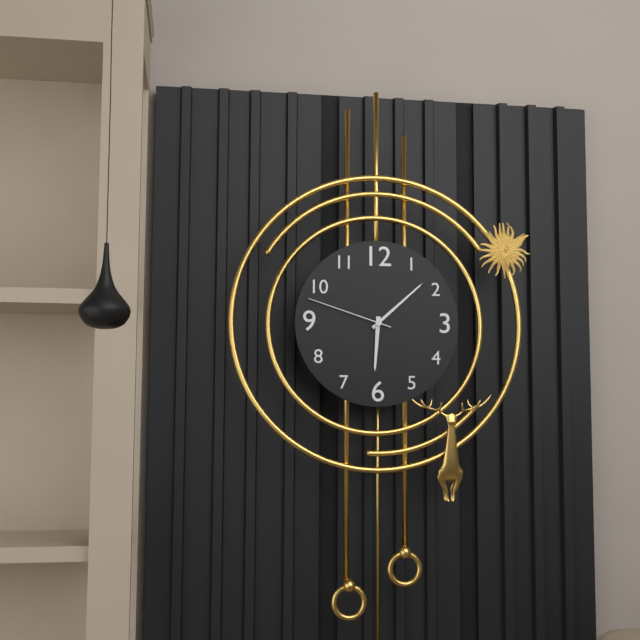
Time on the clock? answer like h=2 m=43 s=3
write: h=6 m=8 s=48
